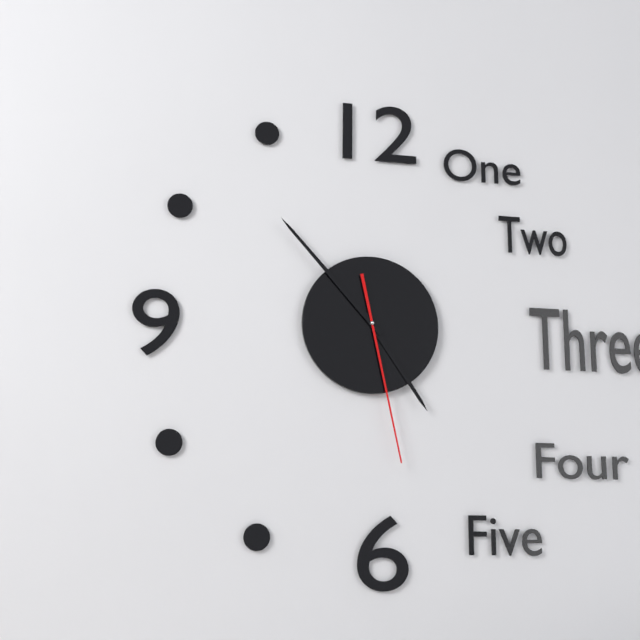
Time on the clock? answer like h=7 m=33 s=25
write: h=4 m=53 s=28
